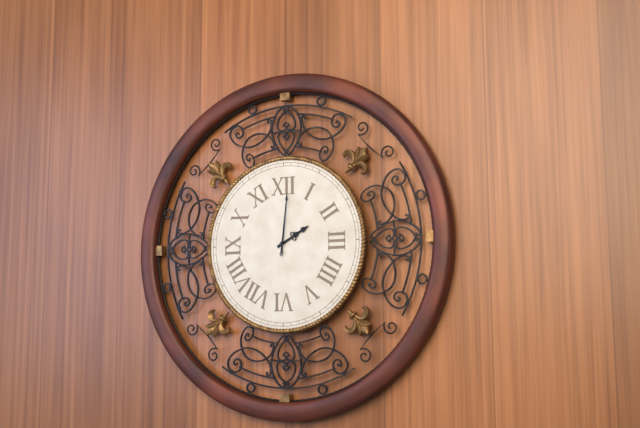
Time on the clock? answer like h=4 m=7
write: h=2 m=1
